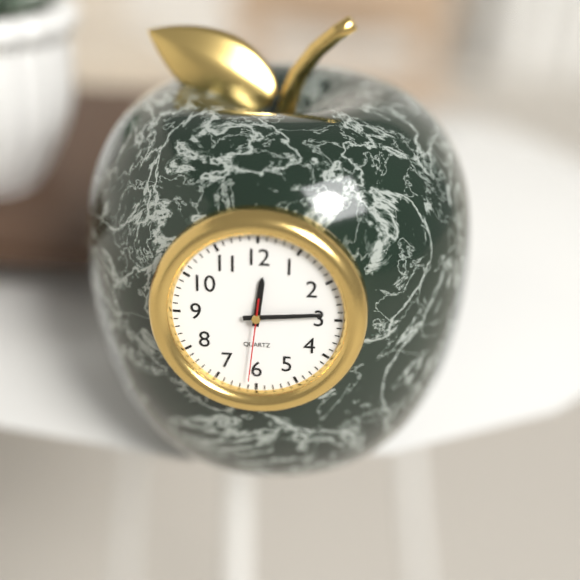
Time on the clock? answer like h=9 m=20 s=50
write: h=12 m=14 s=31
